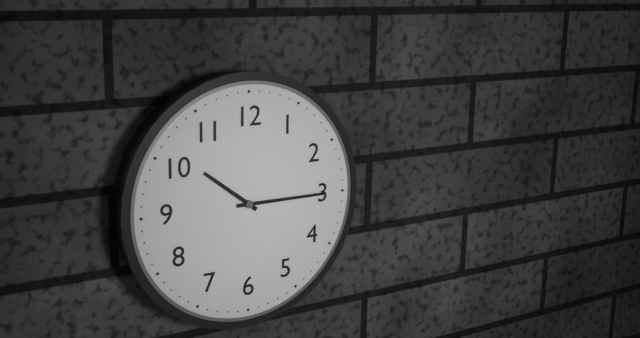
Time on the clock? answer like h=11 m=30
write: h=10 m=15
